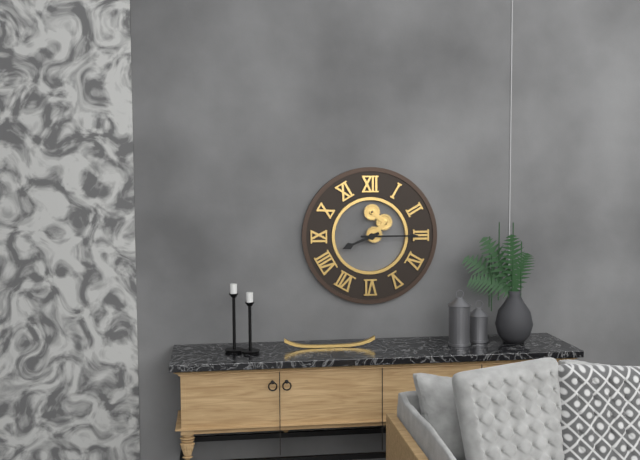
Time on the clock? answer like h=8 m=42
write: h=8 m=15
